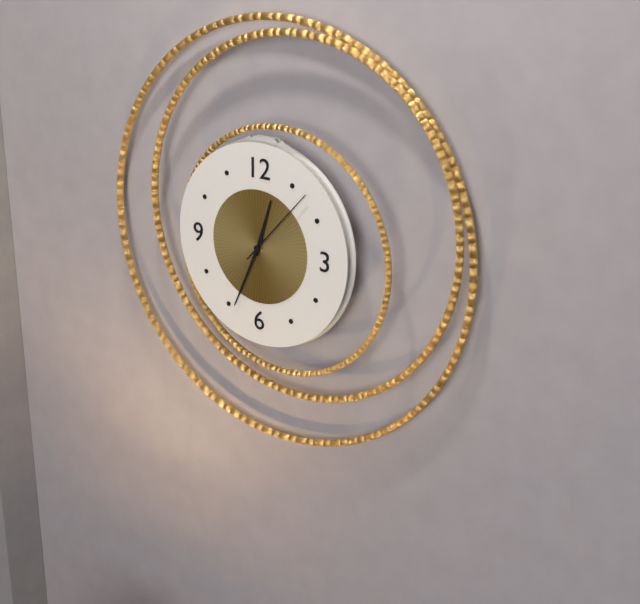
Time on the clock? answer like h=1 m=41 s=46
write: h=12 m=34 s=7
